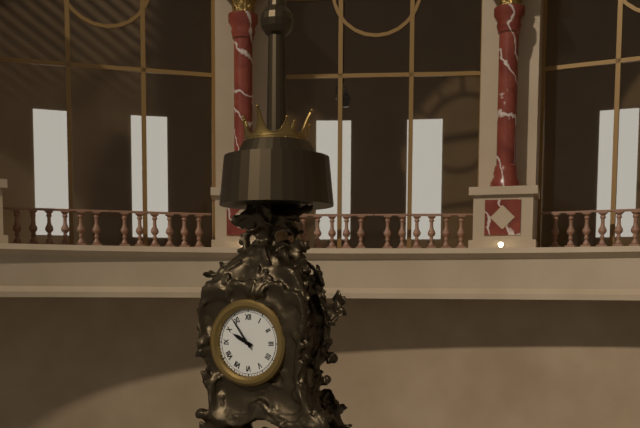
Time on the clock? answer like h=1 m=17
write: h=9 m=54
